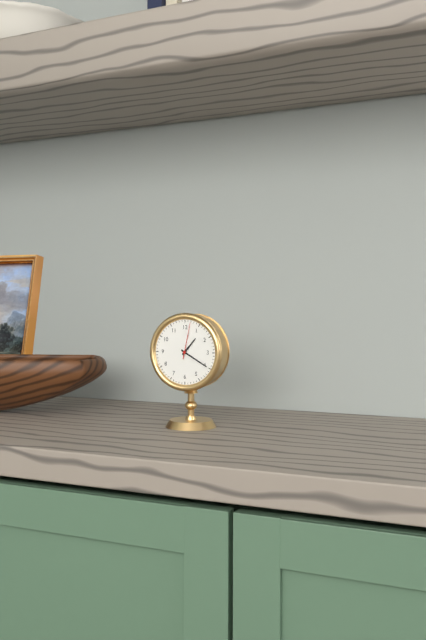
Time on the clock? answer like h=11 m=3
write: h=1 m=20
